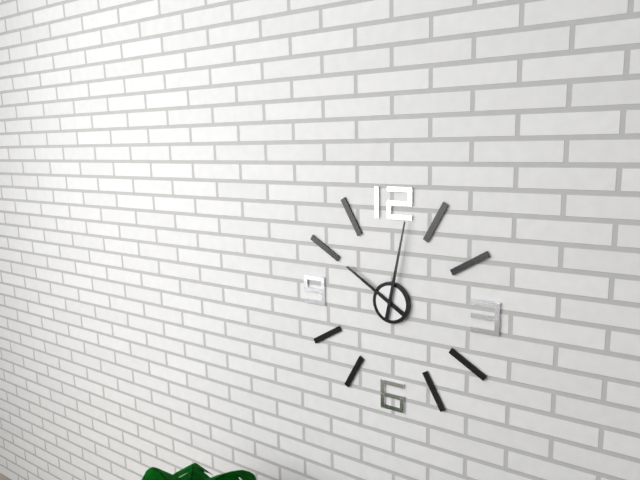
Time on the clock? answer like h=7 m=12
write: h=10 m=2
